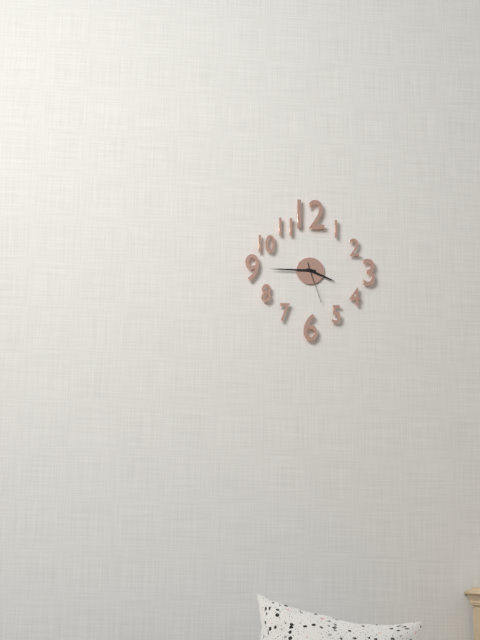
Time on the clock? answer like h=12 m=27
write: h=3 m=45
